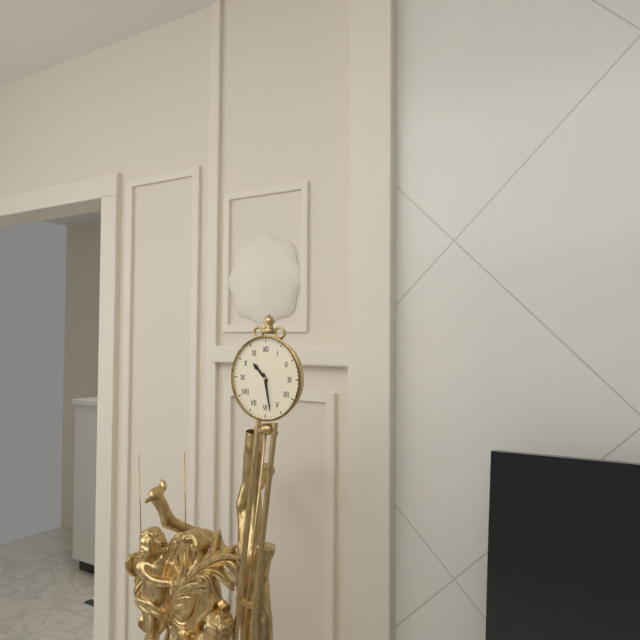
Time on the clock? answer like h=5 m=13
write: h=10 m=28
